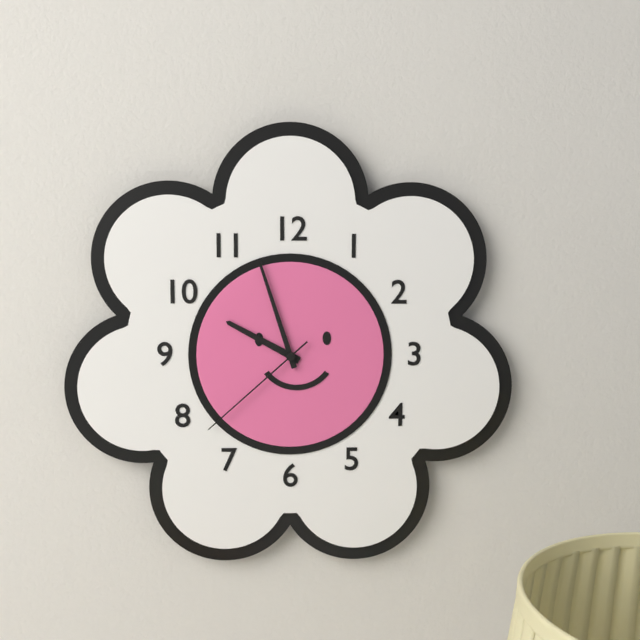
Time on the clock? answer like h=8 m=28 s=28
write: h=9 m=57 s=38
